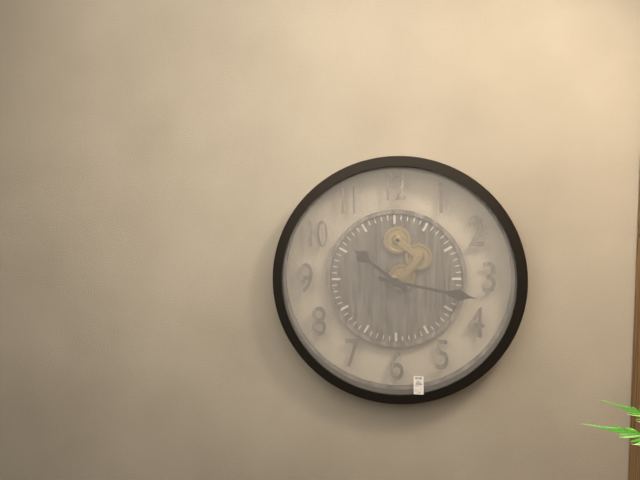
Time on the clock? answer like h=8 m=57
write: h=10 m=17
